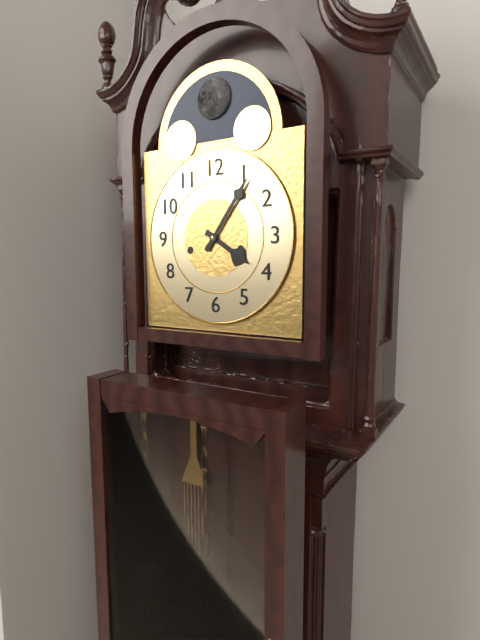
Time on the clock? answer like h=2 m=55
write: h=4 m=6
